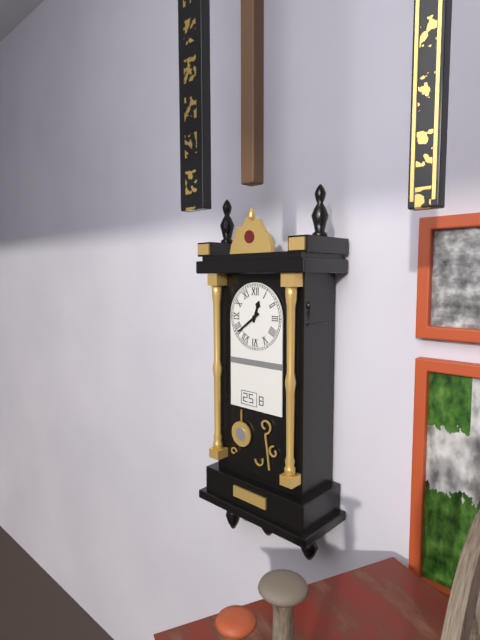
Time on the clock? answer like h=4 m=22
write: h=12 m=39
